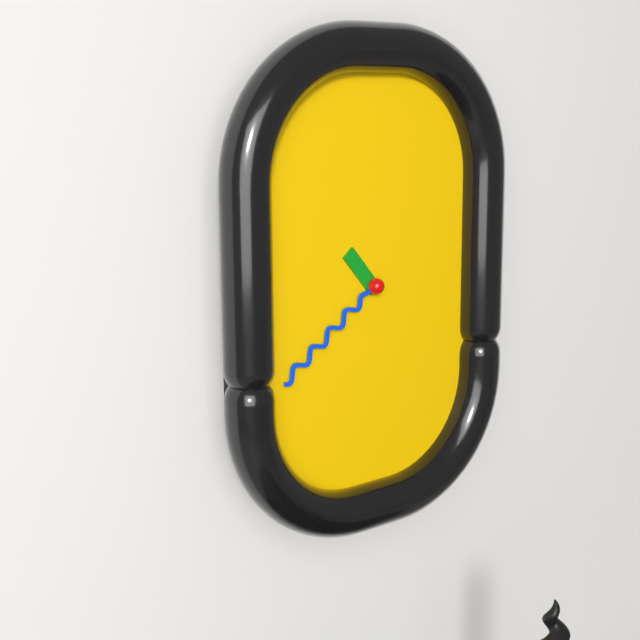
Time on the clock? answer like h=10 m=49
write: h=10 m=39
